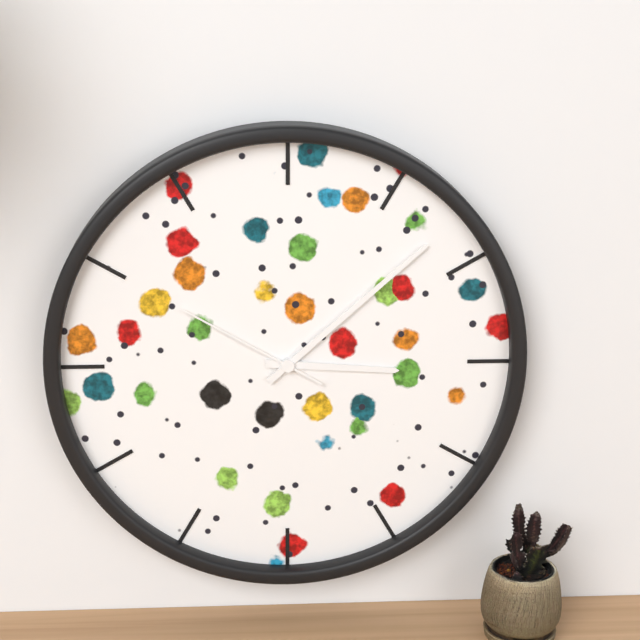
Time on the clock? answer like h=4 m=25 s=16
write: h=3 m=8 s=50
